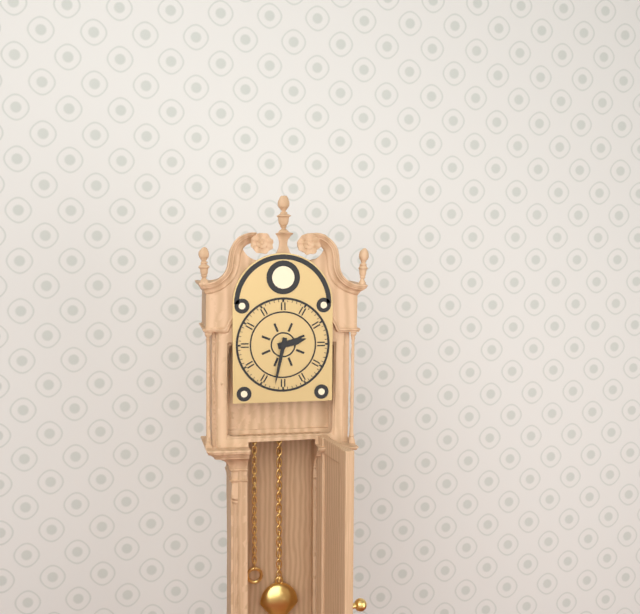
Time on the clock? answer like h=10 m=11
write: h=2 m=32
